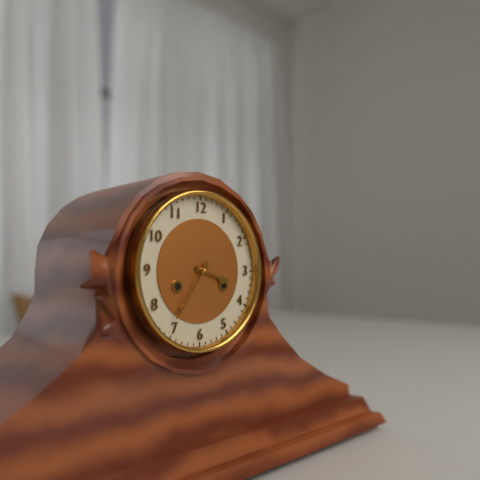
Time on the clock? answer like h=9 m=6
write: h=3 m=36
